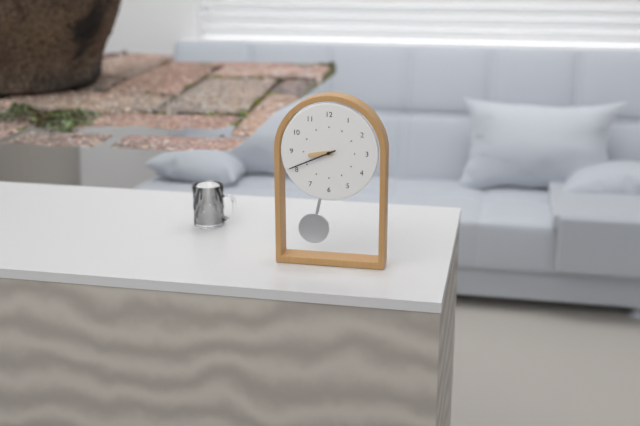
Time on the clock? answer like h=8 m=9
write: h=8 m=41
